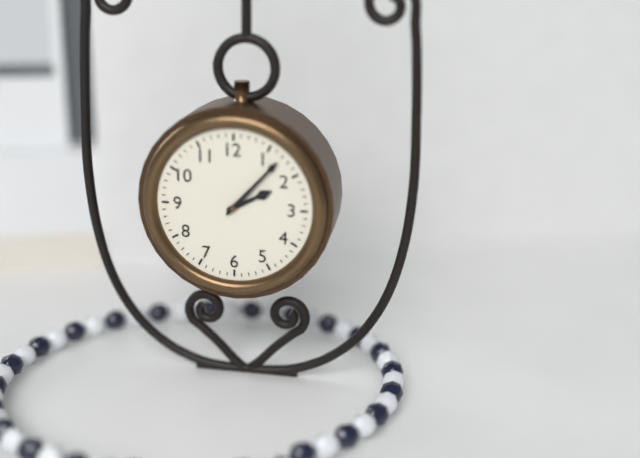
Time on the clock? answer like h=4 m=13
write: h=2 m=7
